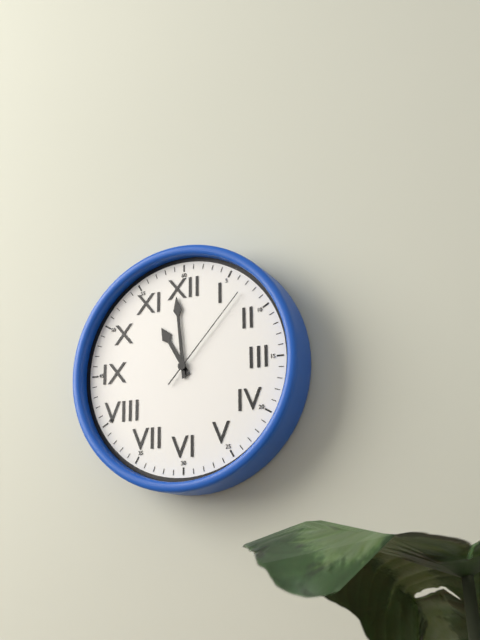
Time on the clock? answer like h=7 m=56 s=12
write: h=10 m=59 s=7
